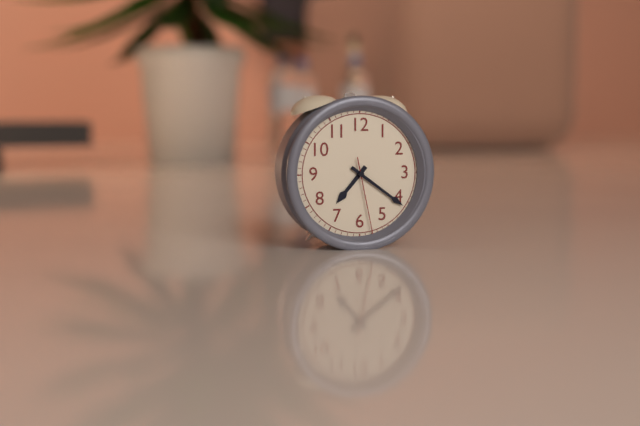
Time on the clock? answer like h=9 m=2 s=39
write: h=7 m=21 s=28
